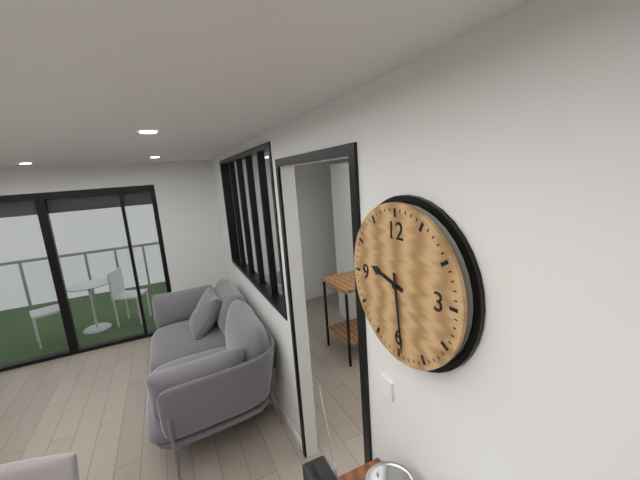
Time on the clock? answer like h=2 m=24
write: h=9 m=29
